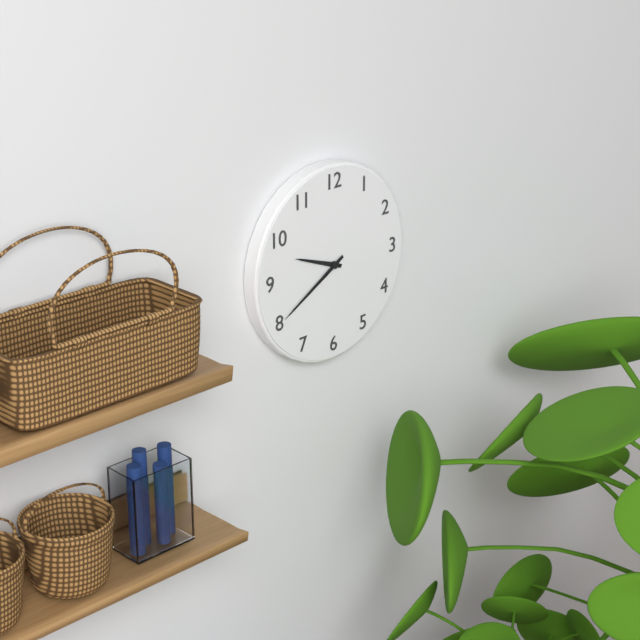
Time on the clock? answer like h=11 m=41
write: h=9 m=40
